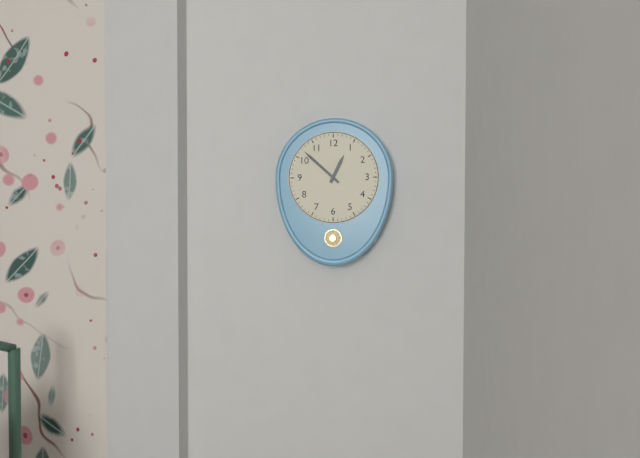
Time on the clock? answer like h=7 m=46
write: h=12 m=52
